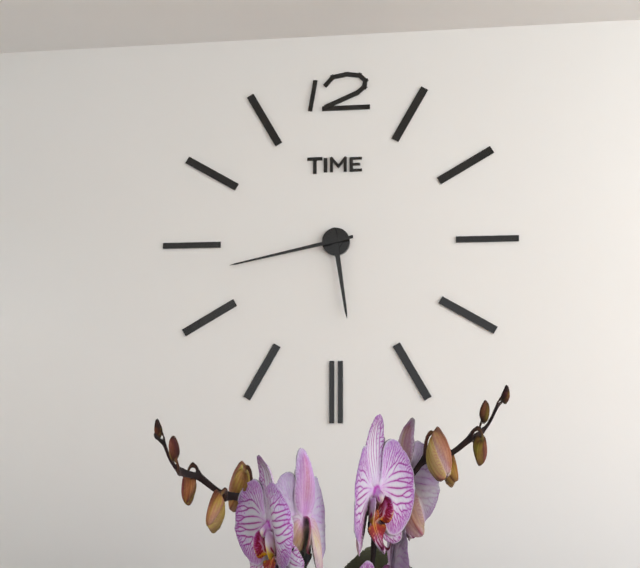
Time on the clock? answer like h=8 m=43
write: h=5 m=43
